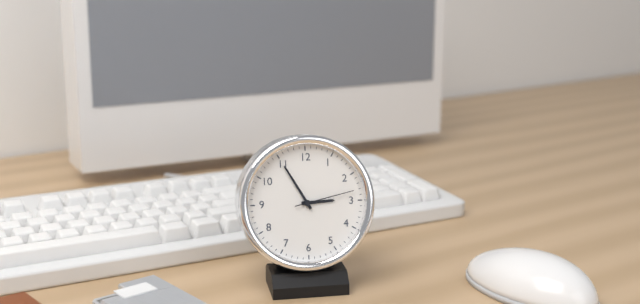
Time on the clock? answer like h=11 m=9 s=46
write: h=2 m=55 s=13
